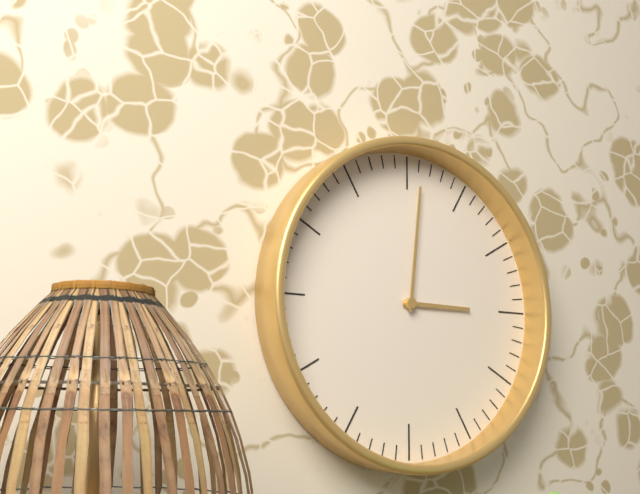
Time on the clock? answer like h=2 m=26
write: h=3 m=1
